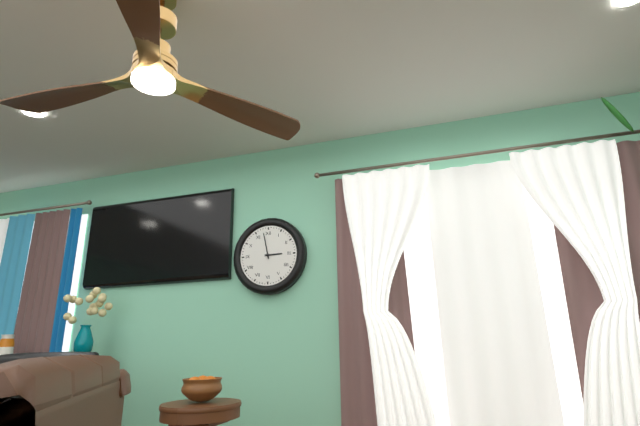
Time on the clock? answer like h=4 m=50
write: h=2 m=58
